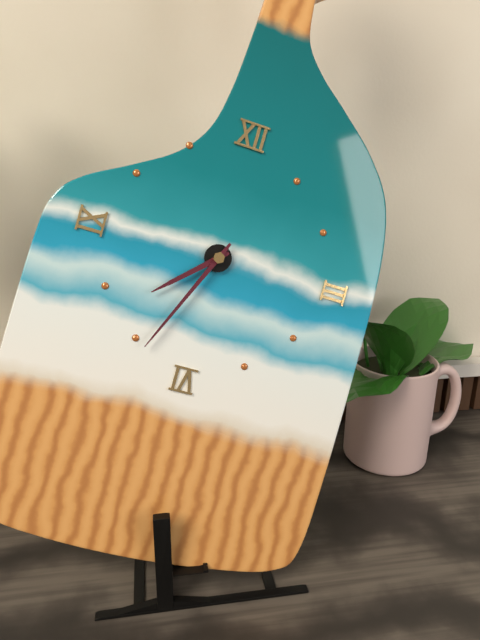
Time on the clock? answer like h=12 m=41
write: h=7 m=34
